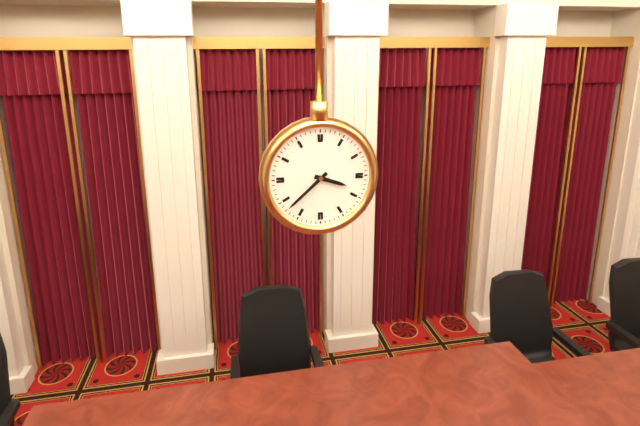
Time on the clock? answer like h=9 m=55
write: h=3 m=38
